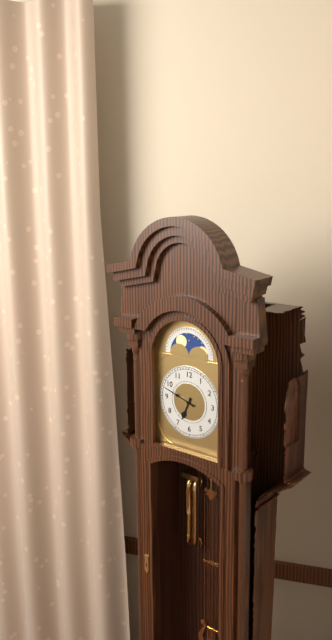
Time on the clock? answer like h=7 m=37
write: h=6 m=48
